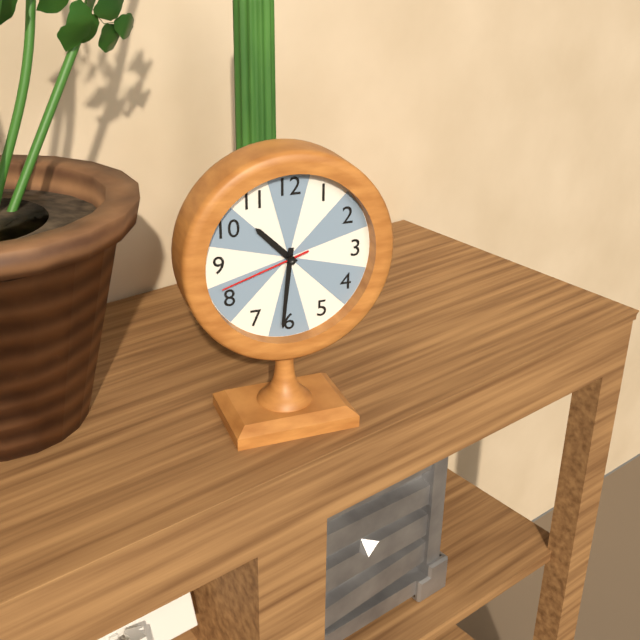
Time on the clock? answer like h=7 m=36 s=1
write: h=10 m=31 s=42
